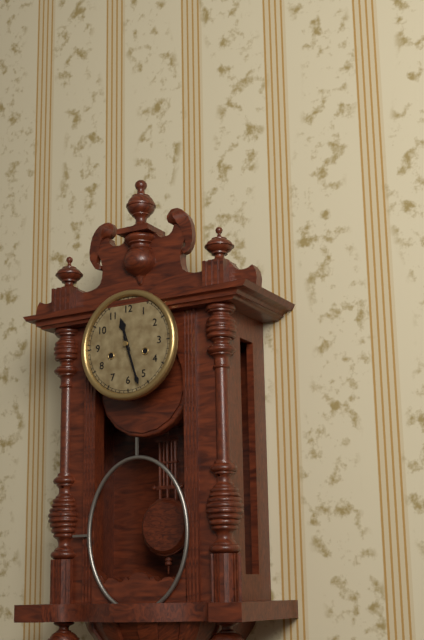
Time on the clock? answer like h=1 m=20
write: h=11 m=27
